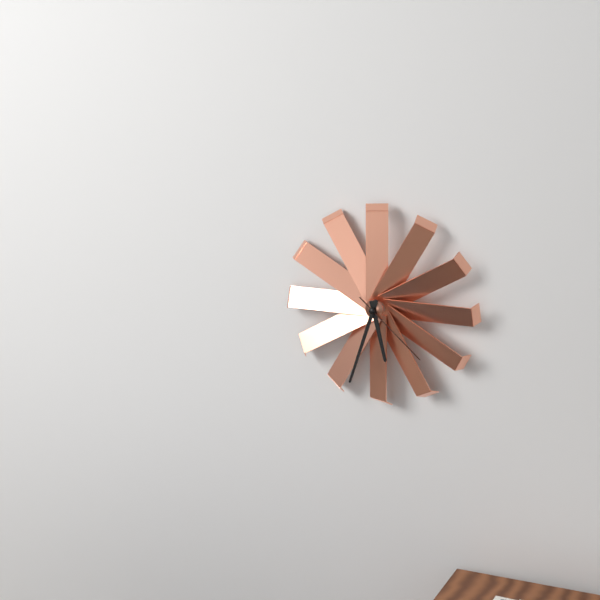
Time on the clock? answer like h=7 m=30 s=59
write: h=5 m=33 s=22
